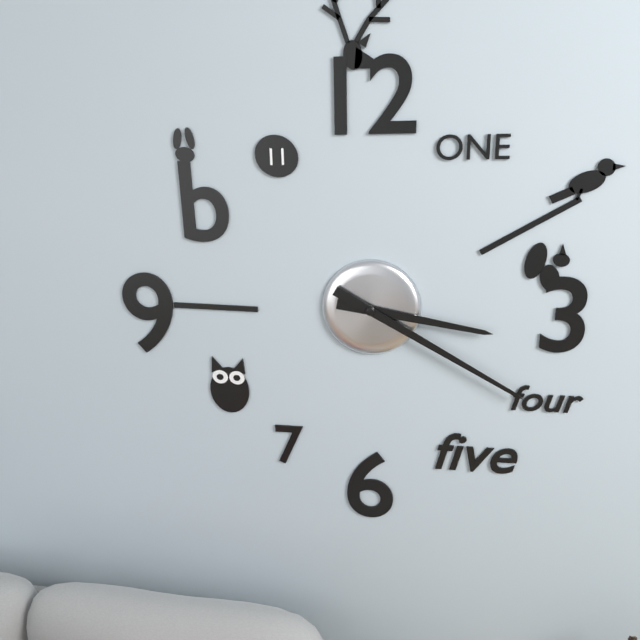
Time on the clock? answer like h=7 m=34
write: h=3 m=20
